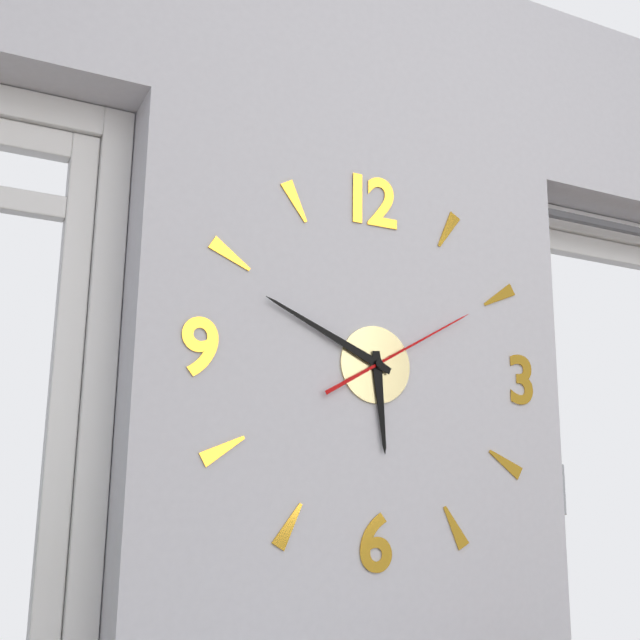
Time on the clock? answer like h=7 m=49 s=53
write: h=5 m=49 s=10
